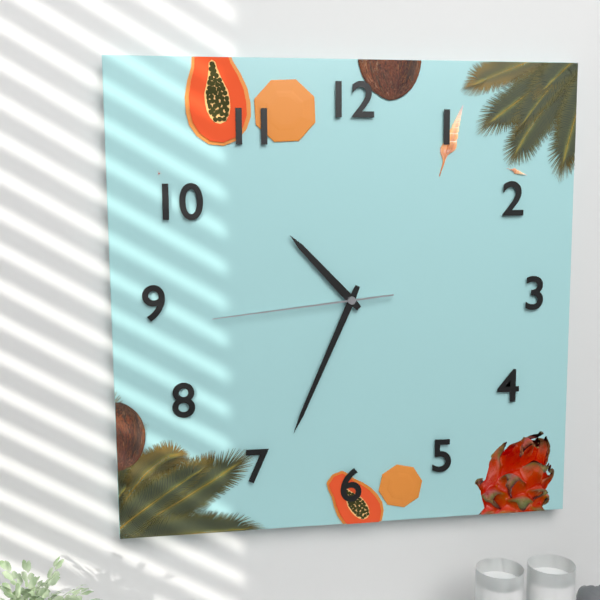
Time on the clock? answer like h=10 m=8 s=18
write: h=10 m=34 s=44
